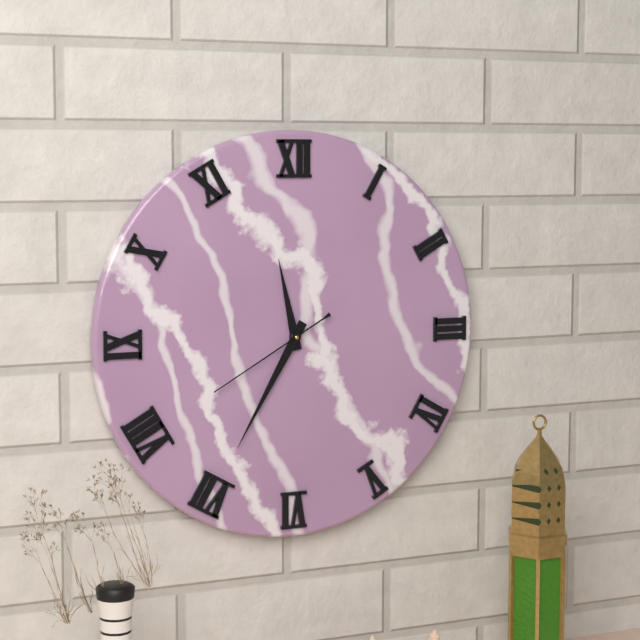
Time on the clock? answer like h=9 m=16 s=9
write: h=11 m=35 s=40
